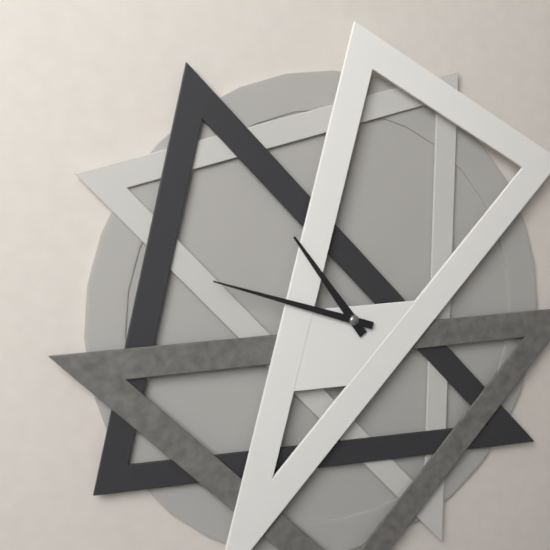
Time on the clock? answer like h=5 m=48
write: h=10 m=48
